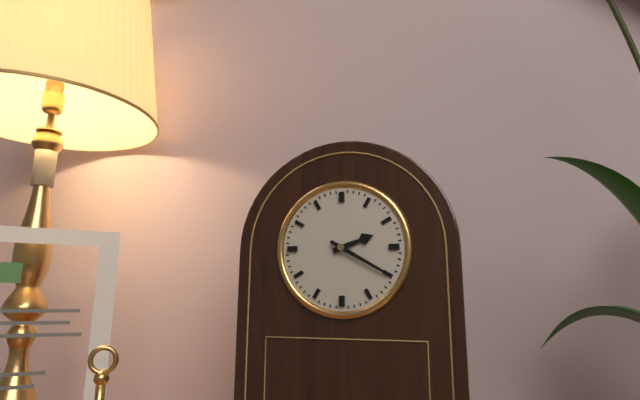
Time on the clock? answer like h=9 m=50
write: h=2 m=20
